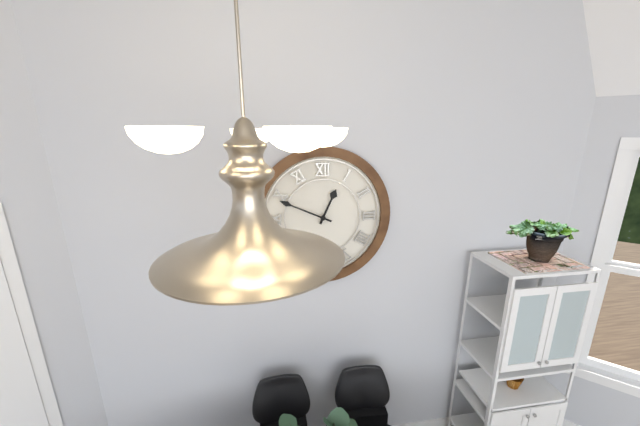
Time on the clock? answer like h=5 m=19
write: h=12 m=49
